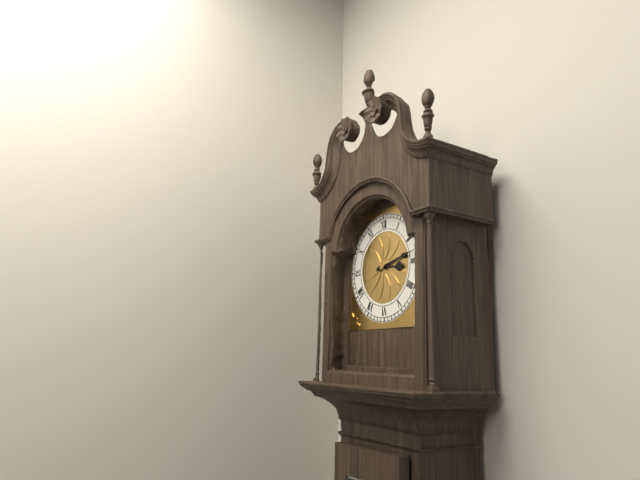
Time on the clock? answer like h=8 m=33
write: h=3 m=13
